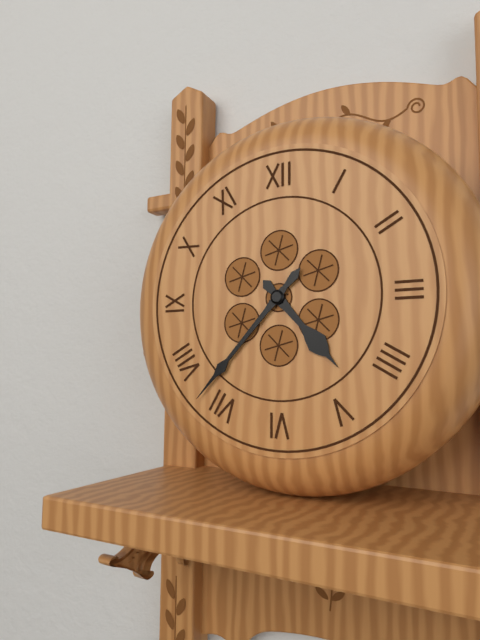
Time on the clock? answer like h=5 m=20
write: h=4 m=37
